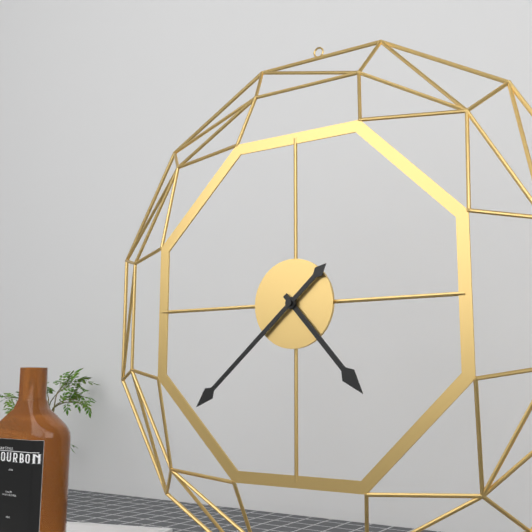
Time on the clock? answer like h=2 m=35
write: h=4 m=38
